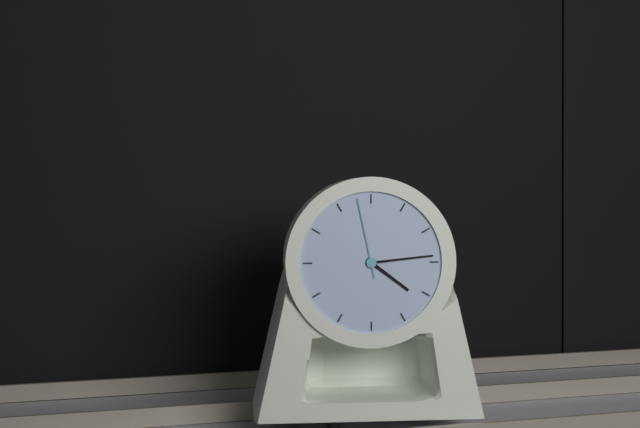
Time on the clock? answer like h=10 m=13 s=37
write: h=4 m=14 s=58
